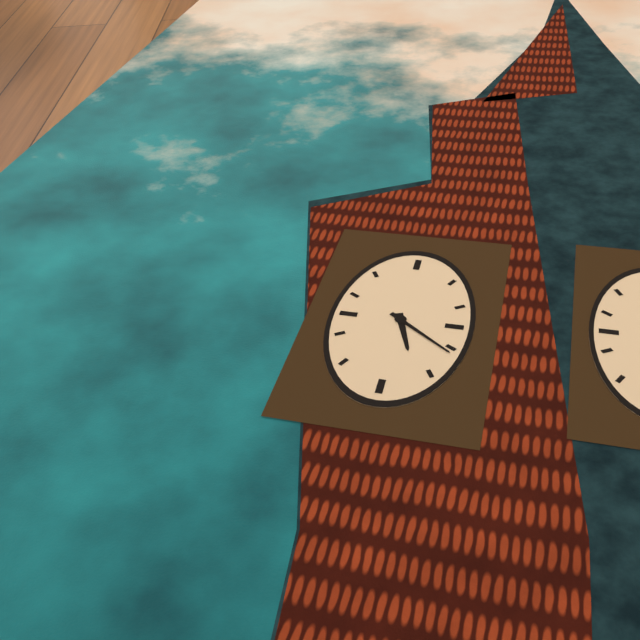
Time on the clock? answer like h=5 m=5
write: h=5 m=21
